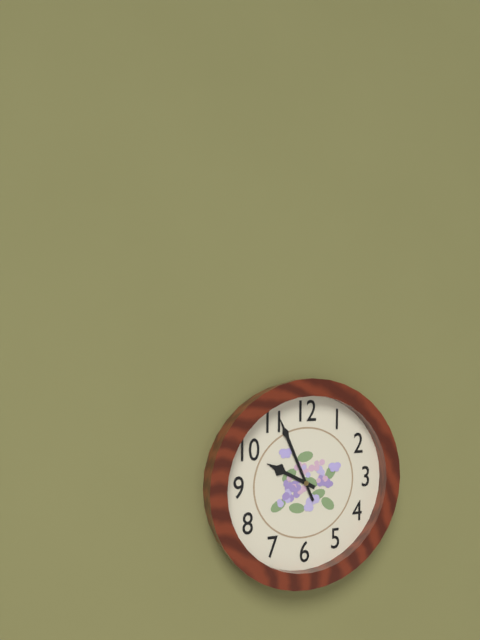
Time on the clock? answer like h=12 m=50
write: h=9 m=56
